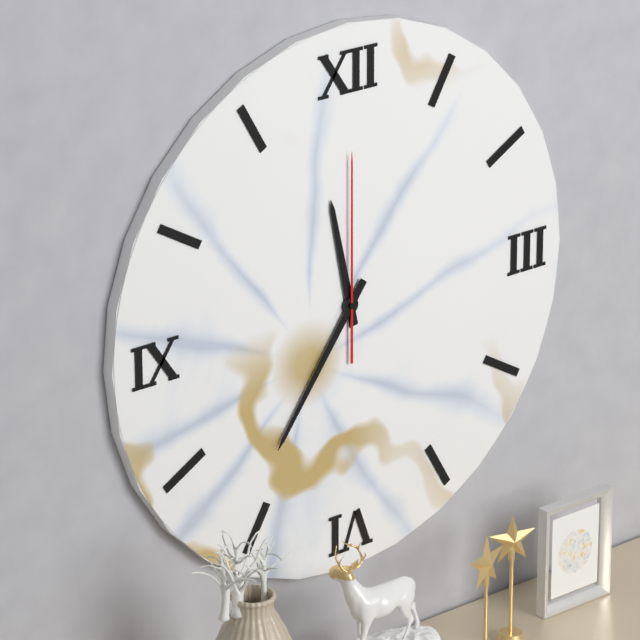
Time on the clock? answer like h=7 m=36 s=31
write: h=11 m=36 s=0
